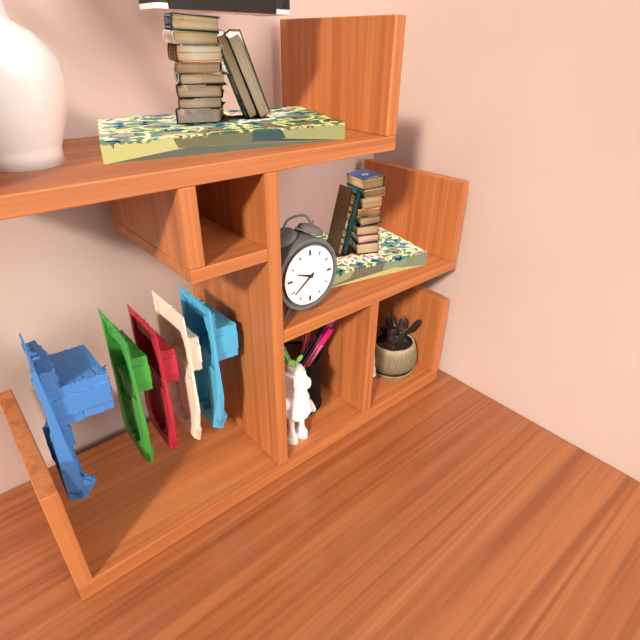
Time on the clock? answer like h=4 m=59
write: h=9 m=39
